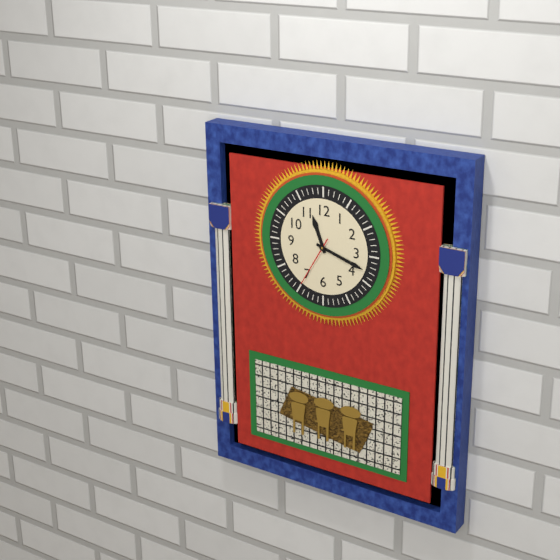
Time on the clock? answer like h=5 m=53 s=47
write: h=11 m=18 s=35
